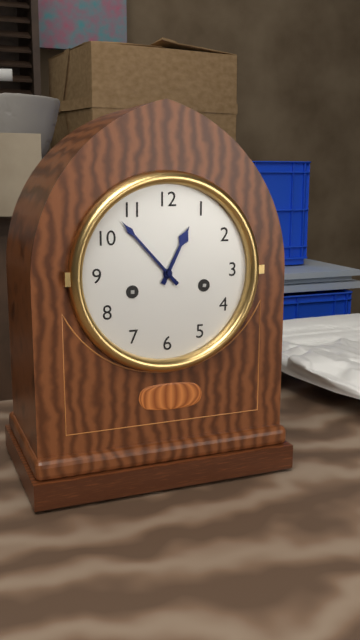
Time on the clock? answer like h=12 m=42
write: h=12 m=53
